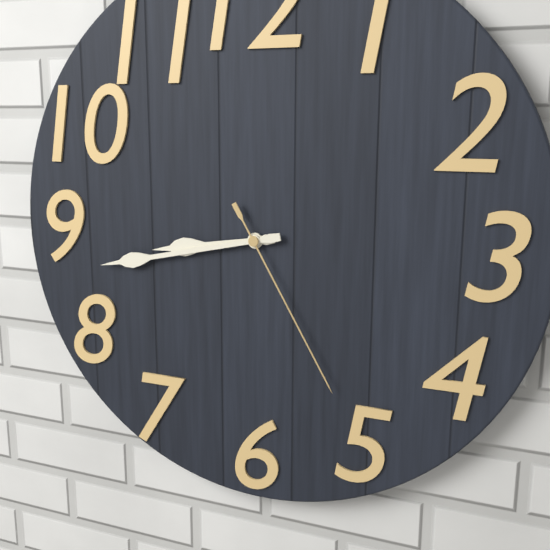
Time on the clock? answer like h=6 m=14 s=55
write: h=8 m=43 s=25
